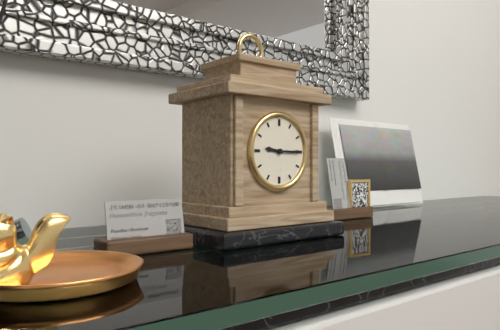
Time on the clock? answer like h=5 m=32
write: h=9 m=15
